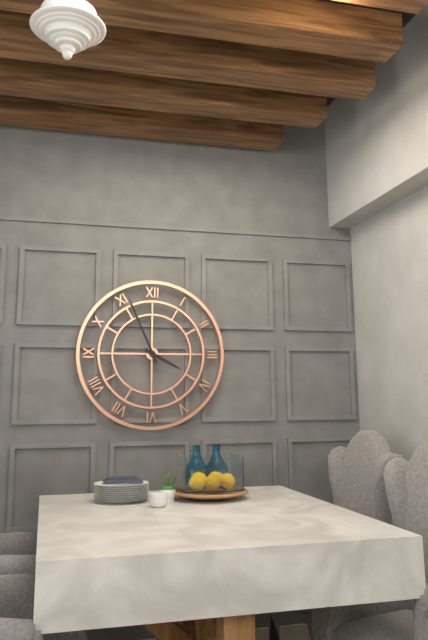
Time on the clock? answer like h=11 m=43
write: h=3 m=56
